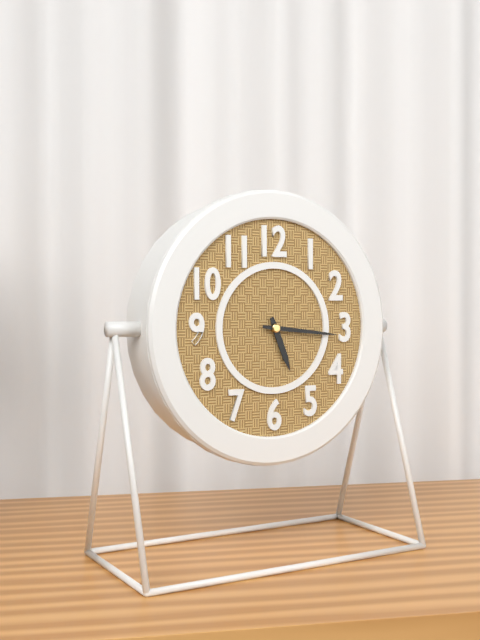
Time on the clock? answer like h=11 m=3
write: h=5 m=16
